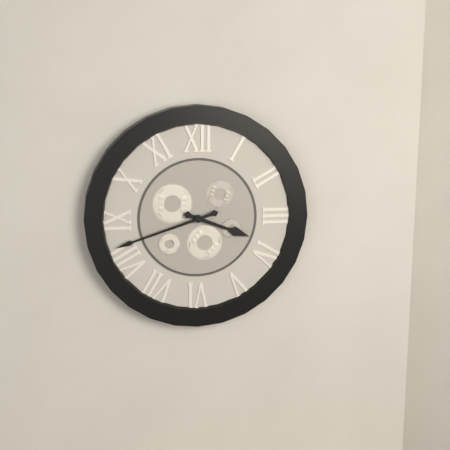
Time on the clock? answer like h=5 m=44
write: h=3 m=42
